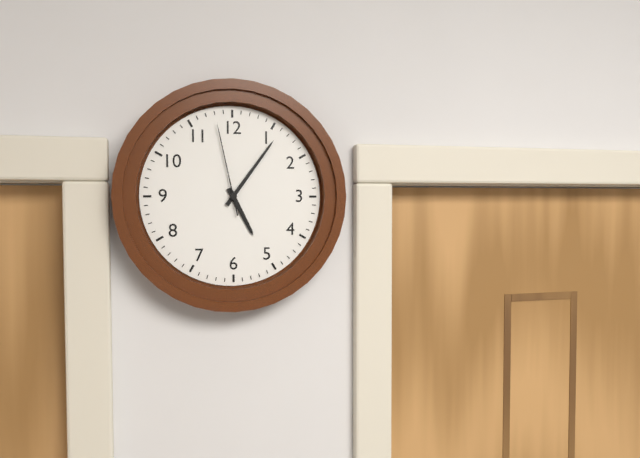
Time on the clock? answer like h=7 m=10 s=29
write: h=5 m=6 s=58
